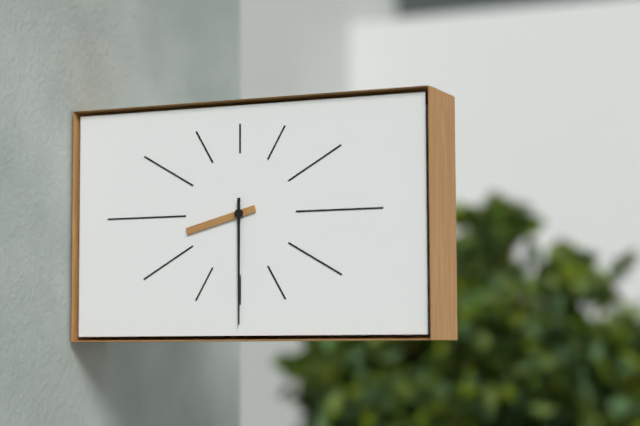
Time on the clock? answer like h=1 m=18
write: h=8 m=30
